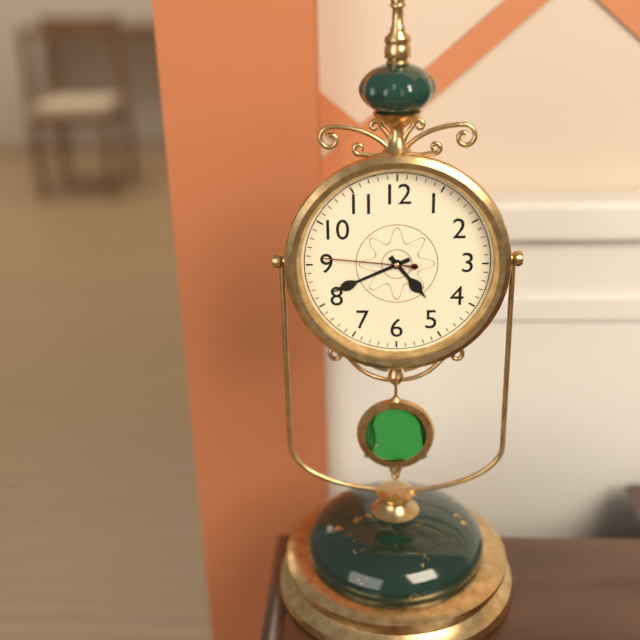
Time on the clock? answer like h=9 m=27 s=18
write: h=4 m=41 s=46
